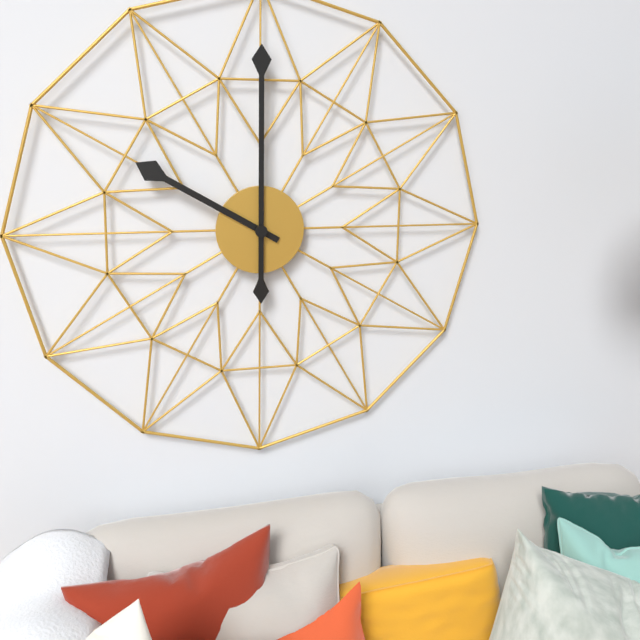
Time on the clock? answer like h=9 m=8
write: h=10 m=0
